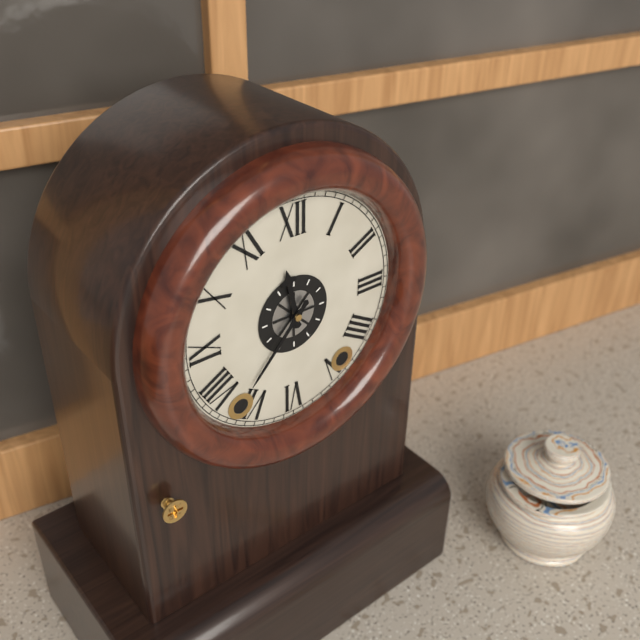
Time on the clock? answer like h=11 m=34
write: h=11 m=37
